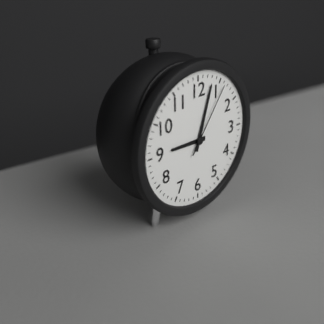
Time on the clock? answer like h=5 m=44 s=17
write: h=9 m=3 s=6
